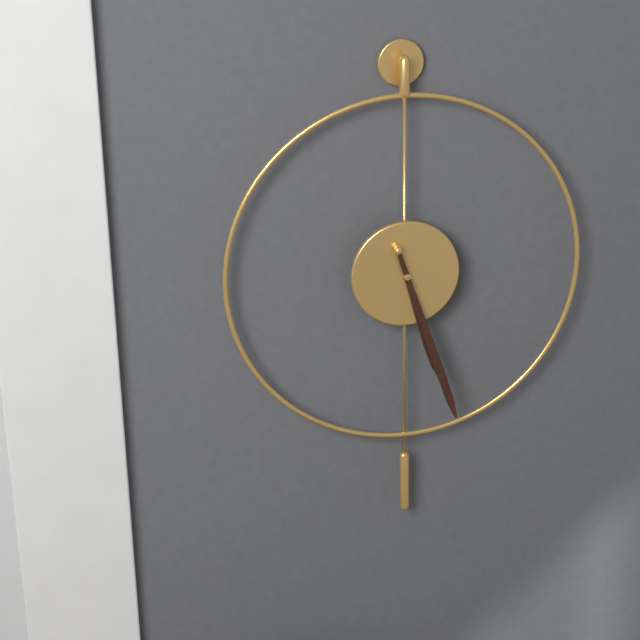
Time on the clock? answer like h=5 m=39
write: h=5 m=27
